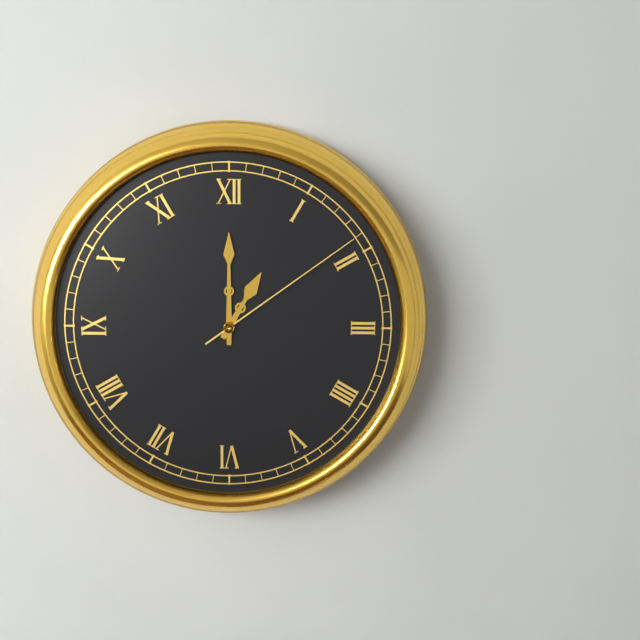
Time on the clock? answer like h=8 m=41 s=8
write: h=1 m=0 s=9
